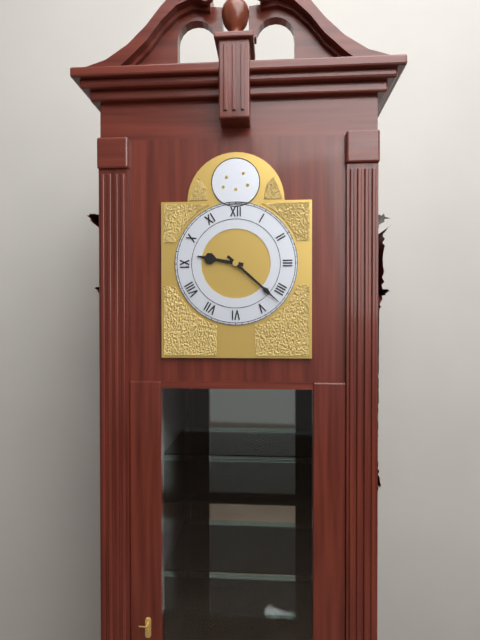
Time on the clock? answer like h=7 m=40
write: h=9 m=22
